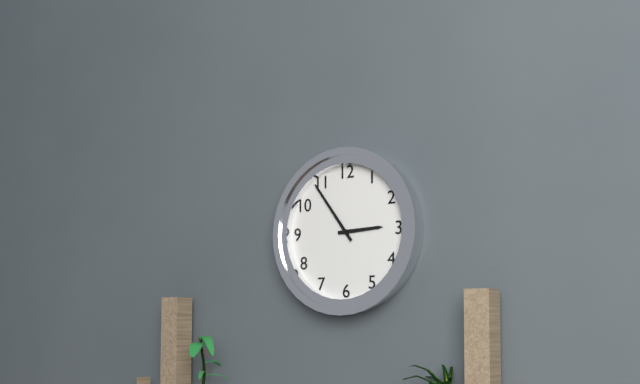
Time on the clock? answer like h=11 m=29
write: h=2 m=54
